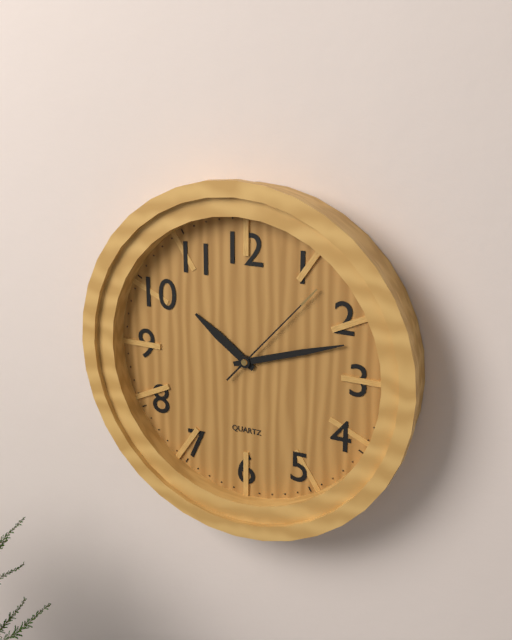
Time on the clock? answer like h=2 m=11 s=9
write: h=10 m=12 s=7
